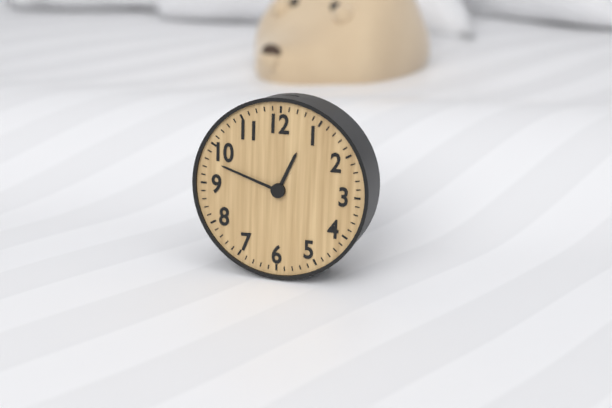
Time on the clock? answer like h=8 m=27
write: h=12 m=48
